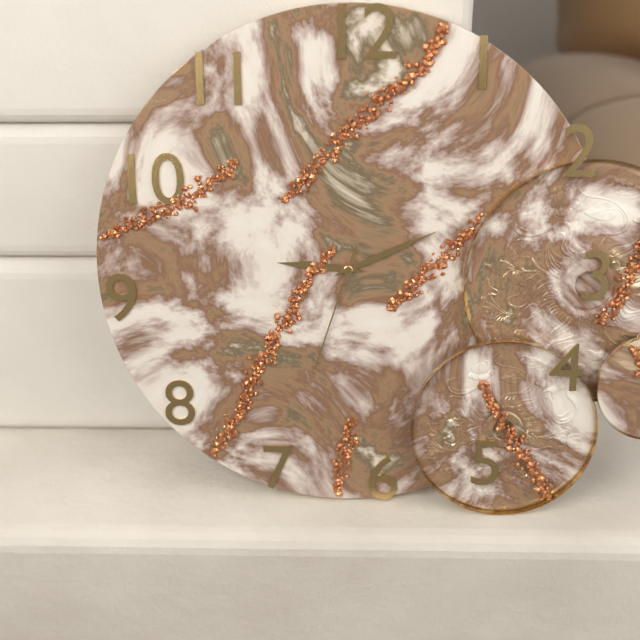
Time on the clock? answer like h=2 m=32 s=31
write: h=9 m=11 s=33
